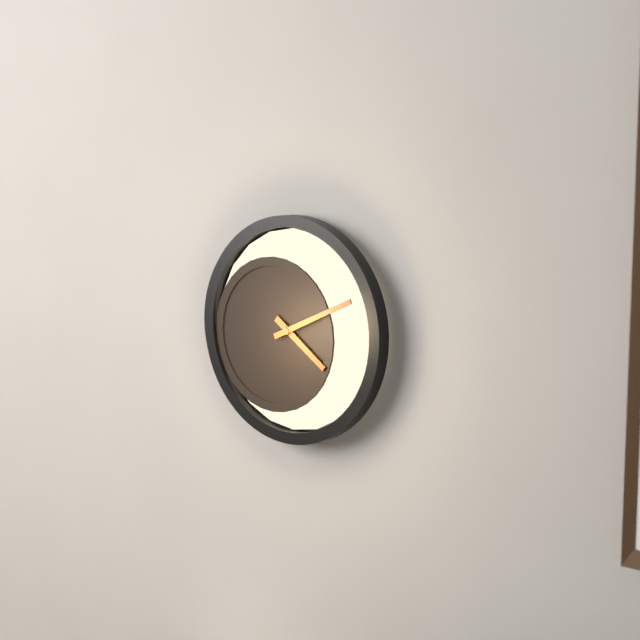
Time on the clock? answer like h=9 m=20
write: h=4 m=11
